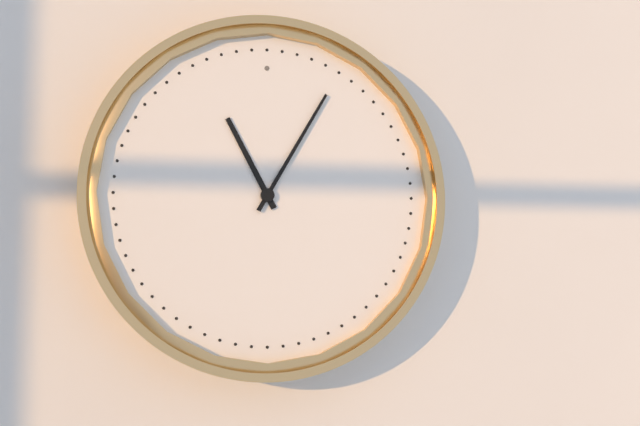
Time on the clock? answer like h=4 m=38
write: h=11 m=5
